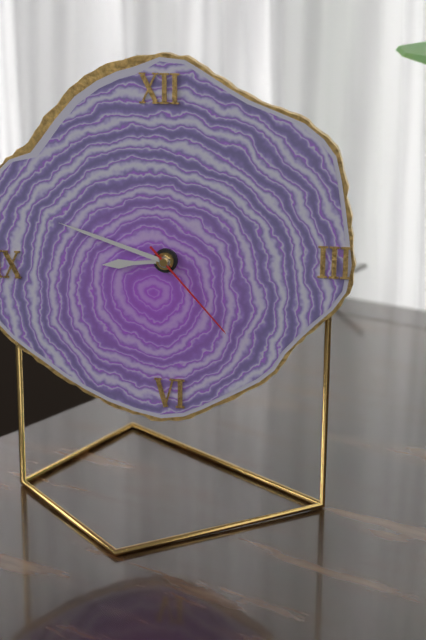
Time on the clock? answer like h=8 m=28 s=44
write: h=8 m=48 s=23
